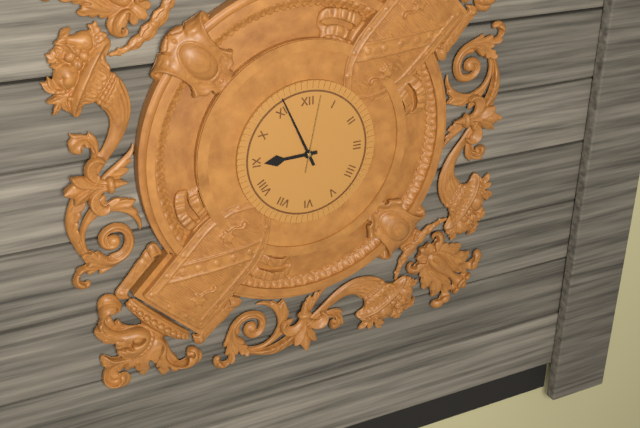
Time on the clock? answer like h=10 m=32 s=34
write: h=8 m=56 s=2
